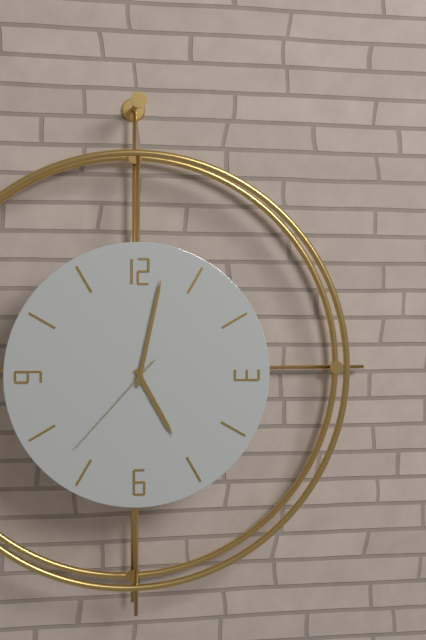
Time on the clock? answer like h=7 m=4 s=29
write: h=5 m=2 s=37
